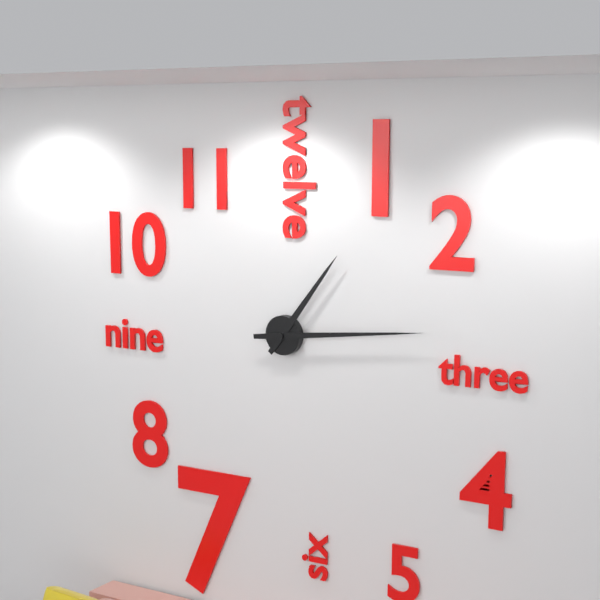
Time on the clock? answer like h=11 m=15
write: h=1 m=14
